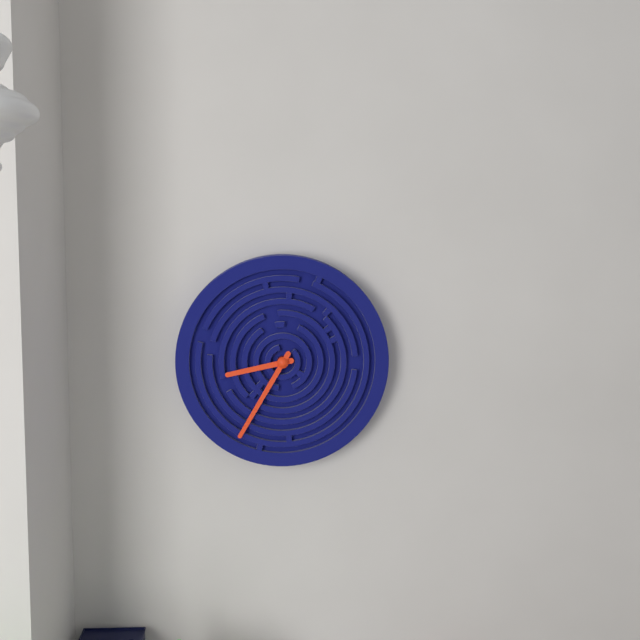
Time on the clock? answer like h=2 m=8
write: h=8 m=35
